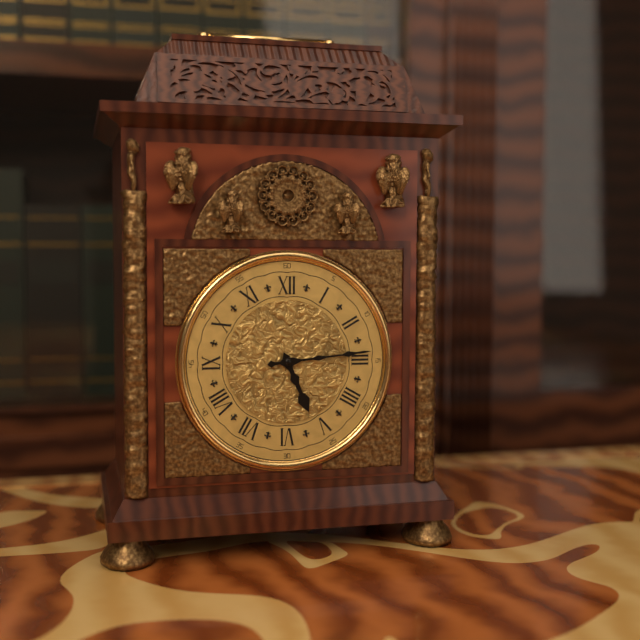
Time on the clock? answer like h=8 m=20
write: h=5 m=14
